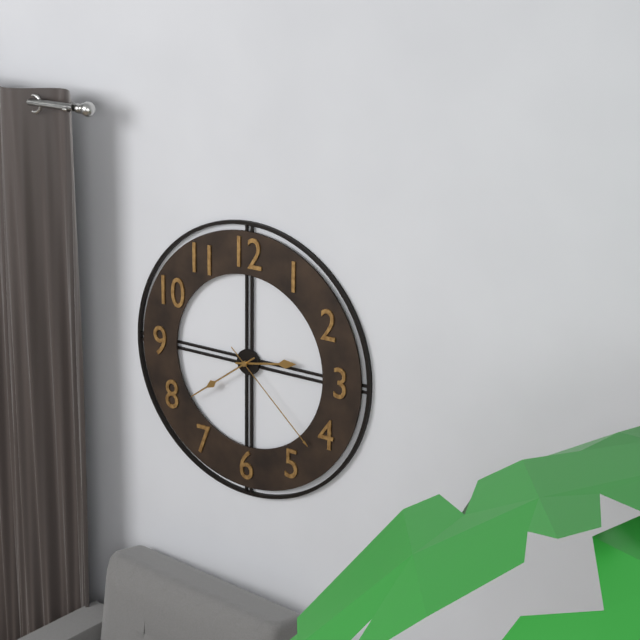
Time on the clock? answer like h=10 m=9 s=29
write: h=2 m=39 s=22
